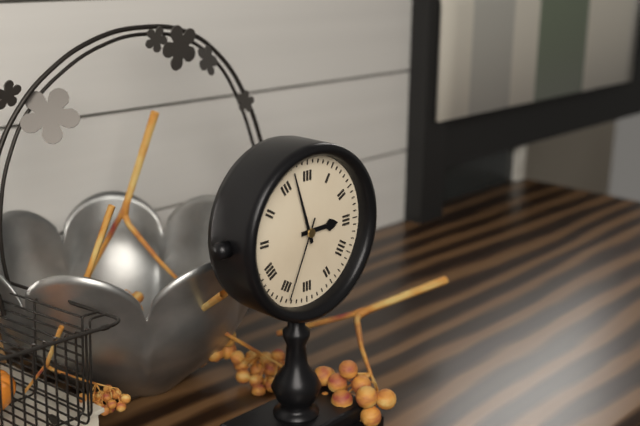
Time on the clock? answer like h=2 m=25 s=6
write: h=2 m=57 s=34
